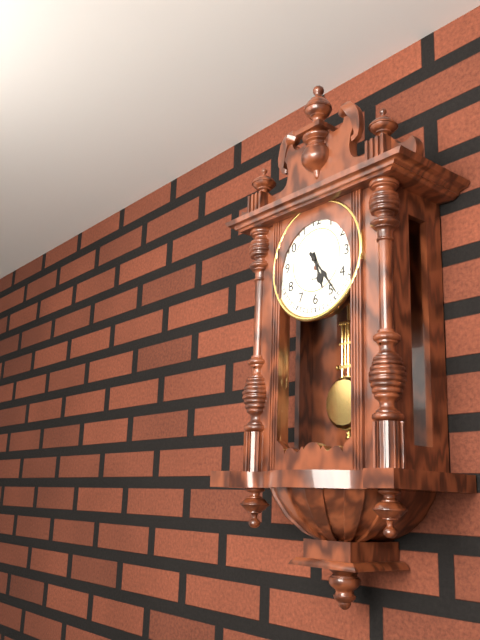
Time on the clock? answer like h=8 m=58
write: h=5 m=24
